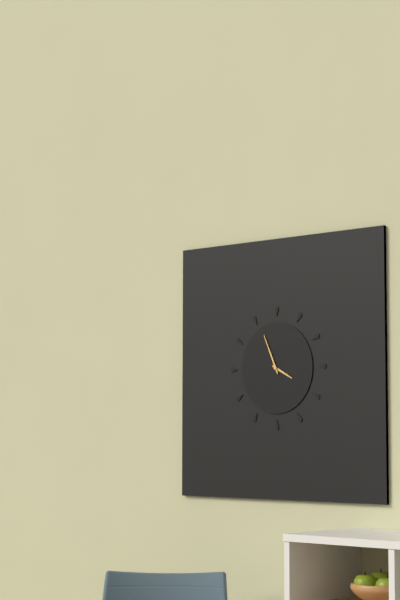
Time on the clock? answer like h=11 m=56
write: h=3 m=56
